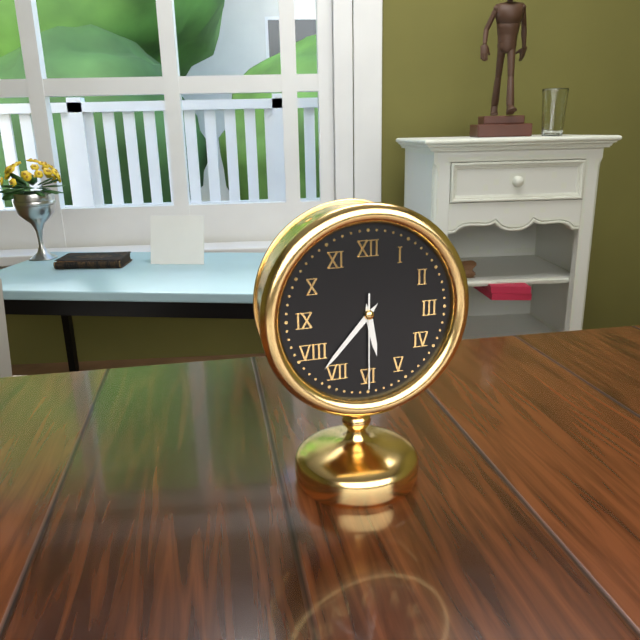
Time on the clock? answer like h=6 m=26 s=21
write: h=5 m=37 s=30
